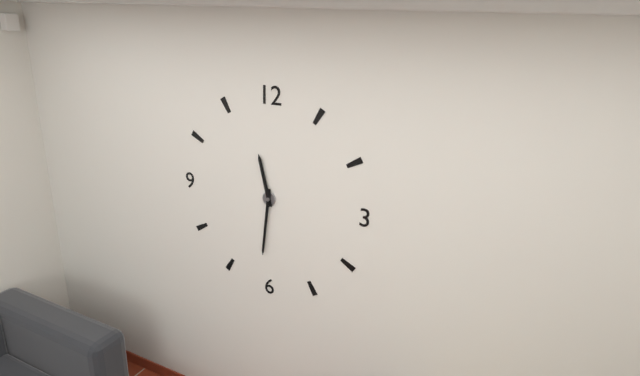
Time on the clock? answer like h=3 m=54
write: h=11 m=31
